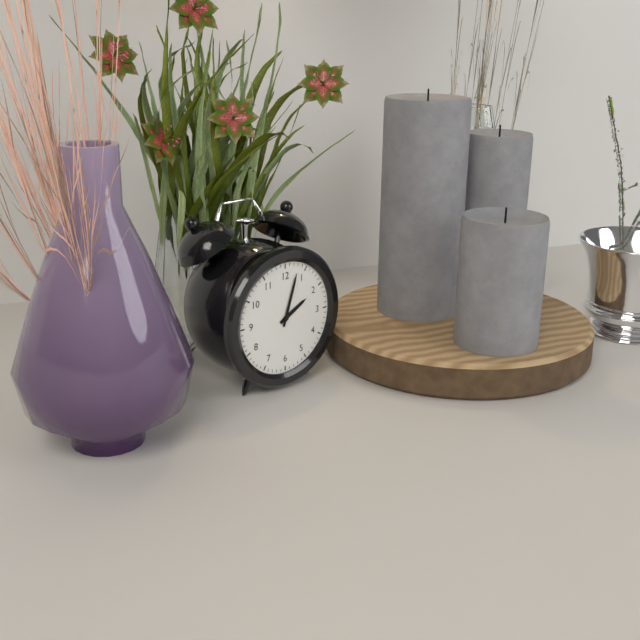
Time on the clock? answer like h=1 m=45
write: h=2 m=3
